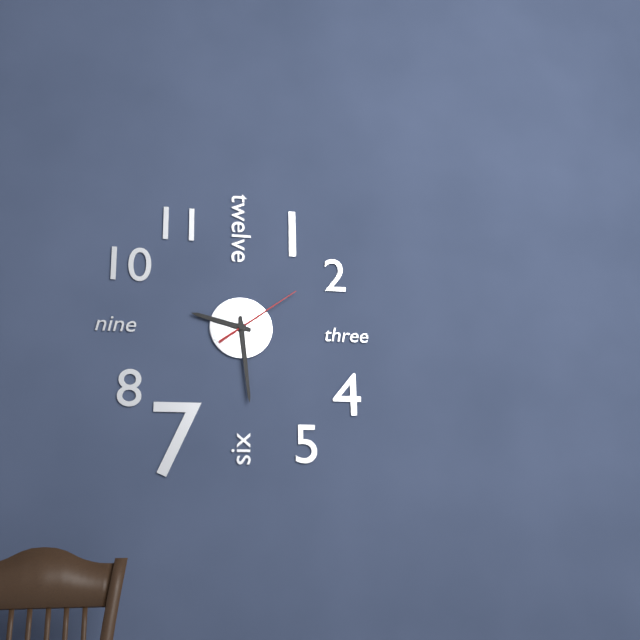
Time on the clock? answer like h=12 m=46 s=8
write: h=9 m=29 s=9
